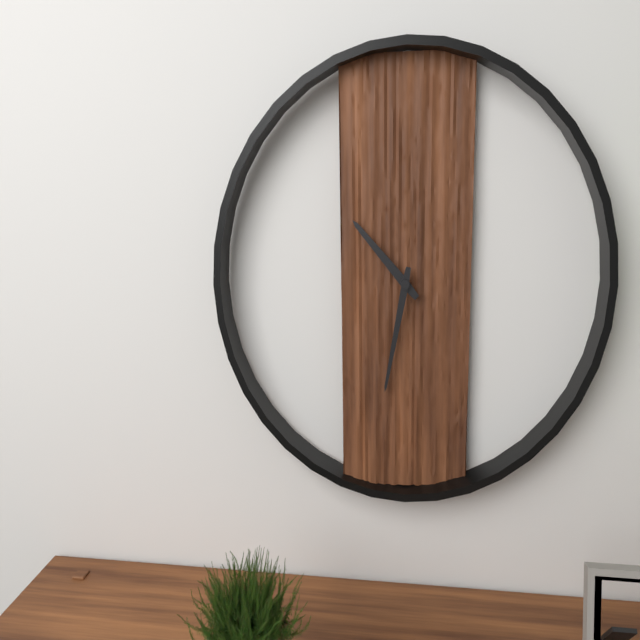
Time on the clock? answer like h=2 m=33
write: h=10 m=32
